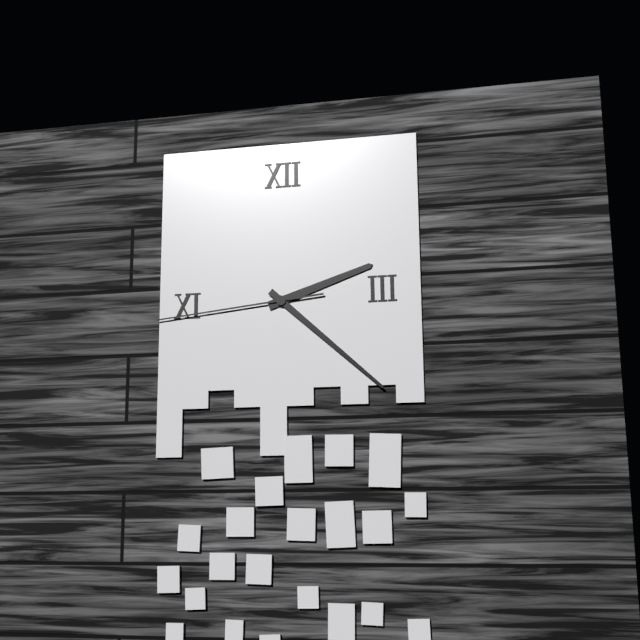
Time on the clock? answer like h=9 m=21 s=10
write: h=2 m=22 s=44
